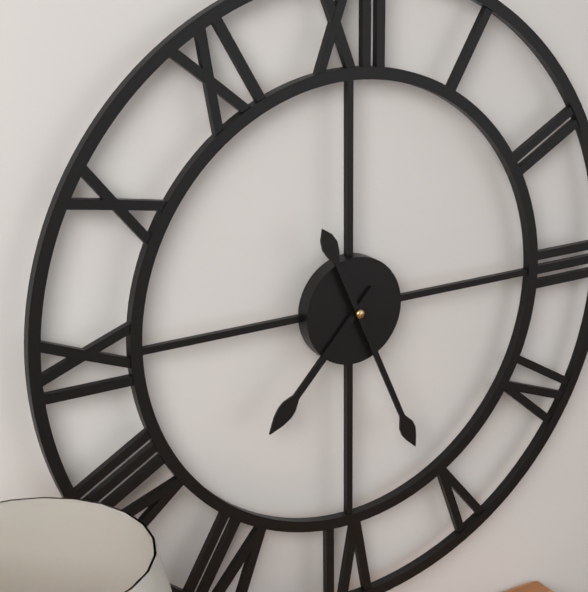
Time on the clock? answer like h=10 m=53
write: h=7 m=26
